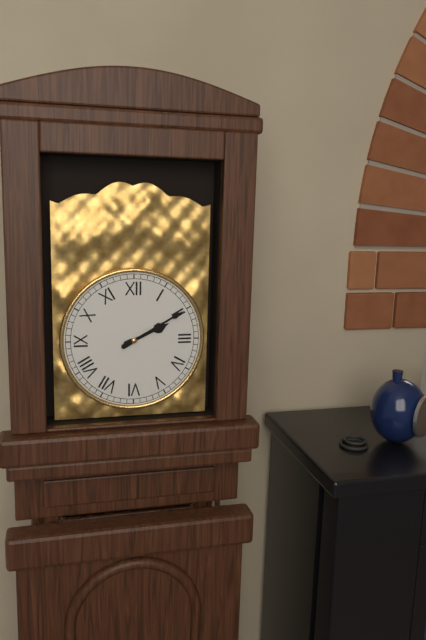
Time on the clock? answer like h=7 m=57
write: h=2 m=10
